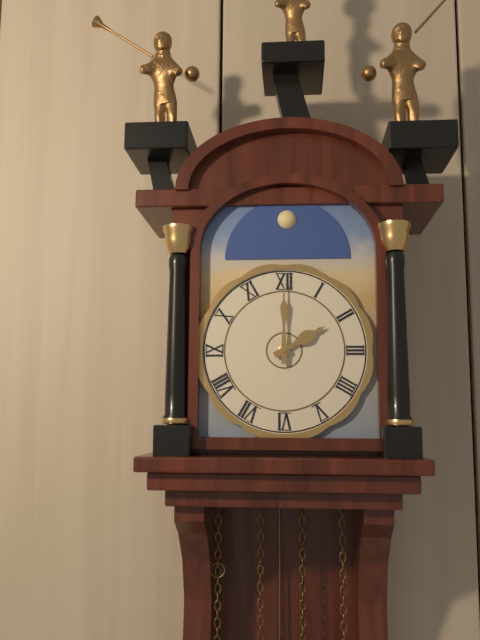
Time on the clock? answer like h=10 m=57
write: h=2 m=0
